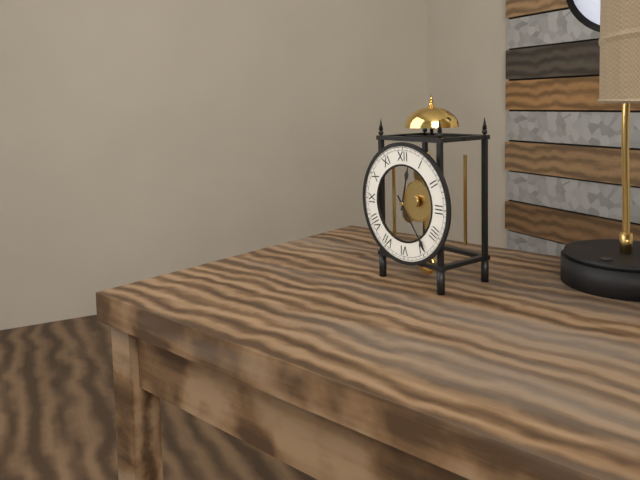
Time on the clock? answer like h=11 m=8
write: h=12 m=24
